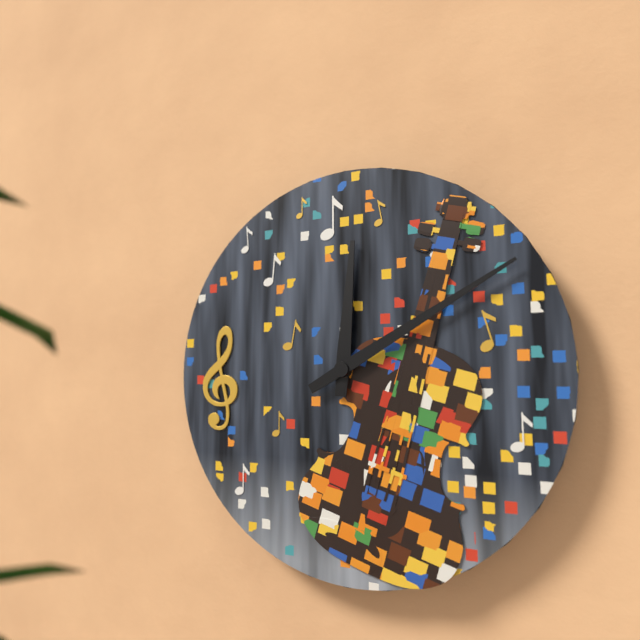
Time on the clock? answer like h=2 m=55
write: h=12 m=10
